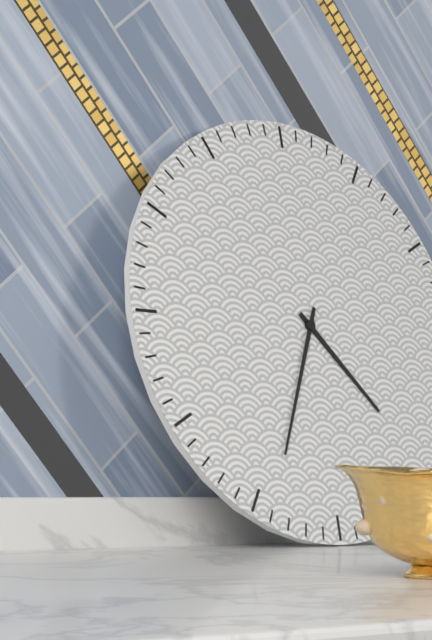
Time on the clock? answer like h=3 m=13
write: h=4 m=34
